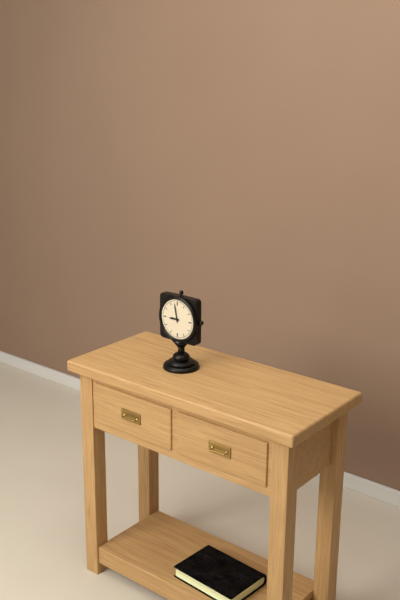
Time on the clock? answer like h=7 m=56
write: h=8 m=58
